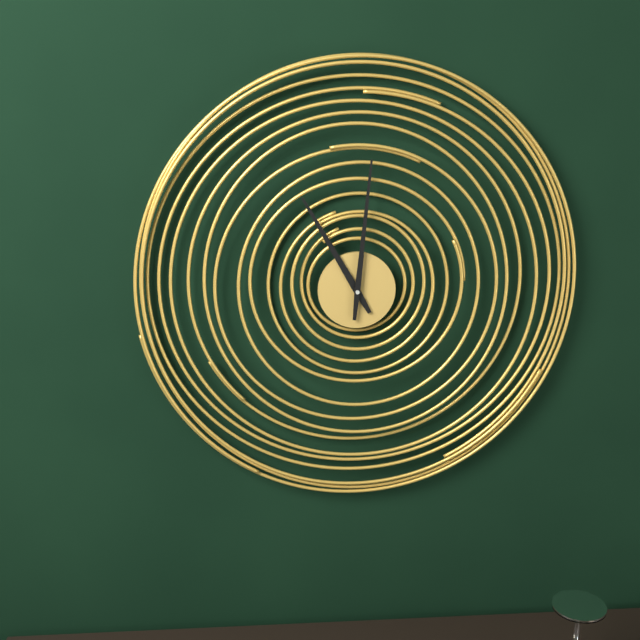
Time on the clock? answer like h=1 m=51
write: h=11 m=1
